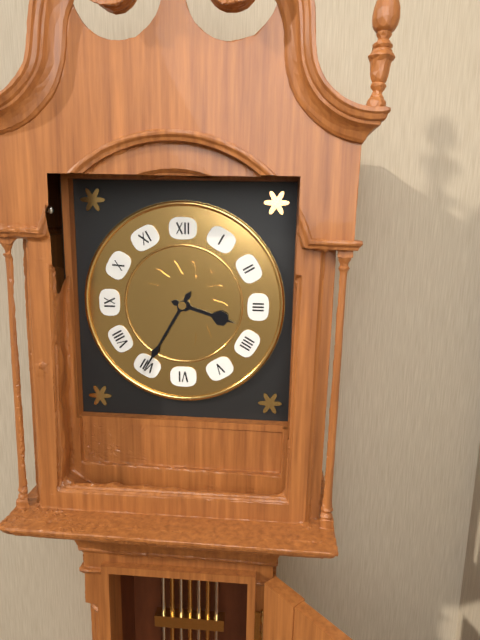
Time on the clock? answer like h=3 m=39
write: h=3 m=35
